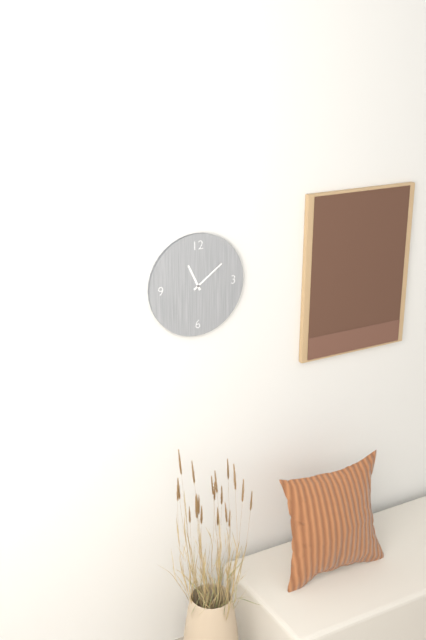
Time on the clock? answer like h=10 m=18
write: h=11 m=9
